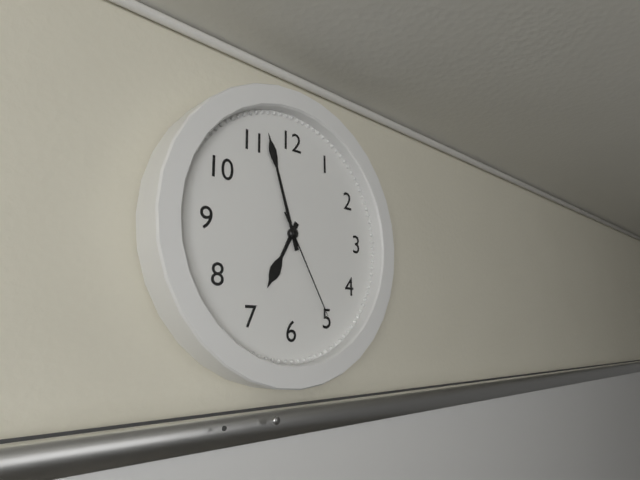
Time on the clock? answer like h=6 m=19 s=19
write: h=6 m=57 s=25
